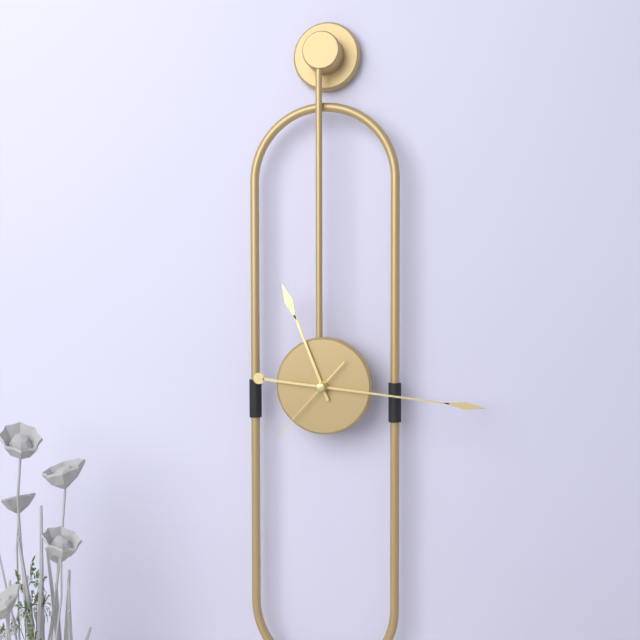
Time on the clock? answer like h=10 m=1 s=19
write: h=11 m=16 s=37
